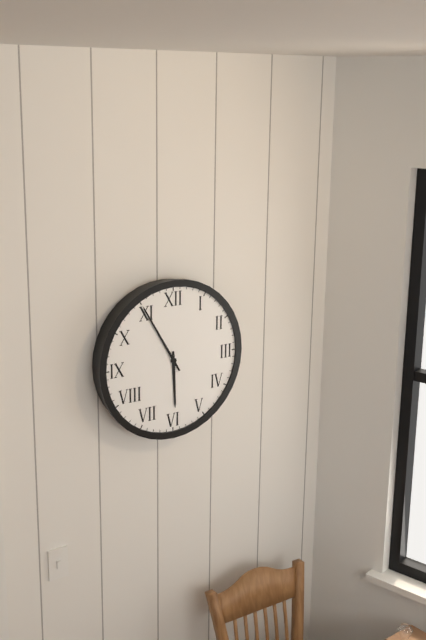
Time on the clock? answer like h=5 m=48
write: h=5 m=55
